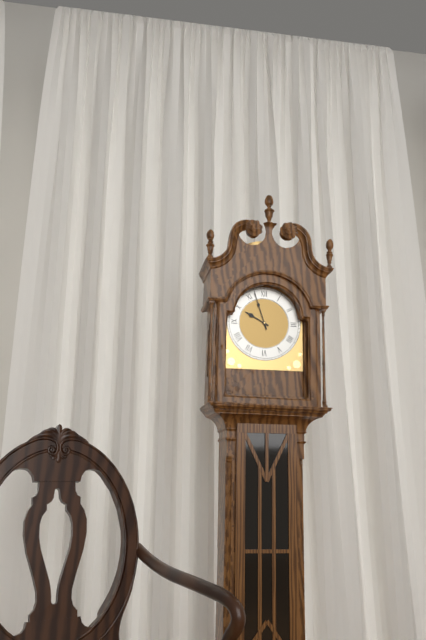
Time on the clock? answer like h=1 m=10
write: h=9 m=57
